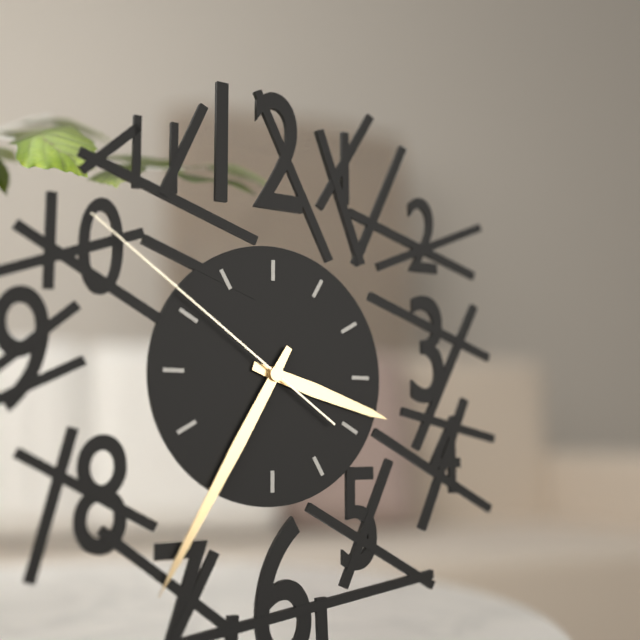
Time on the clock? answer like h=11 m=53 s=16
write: h=3 m=35 s=51
